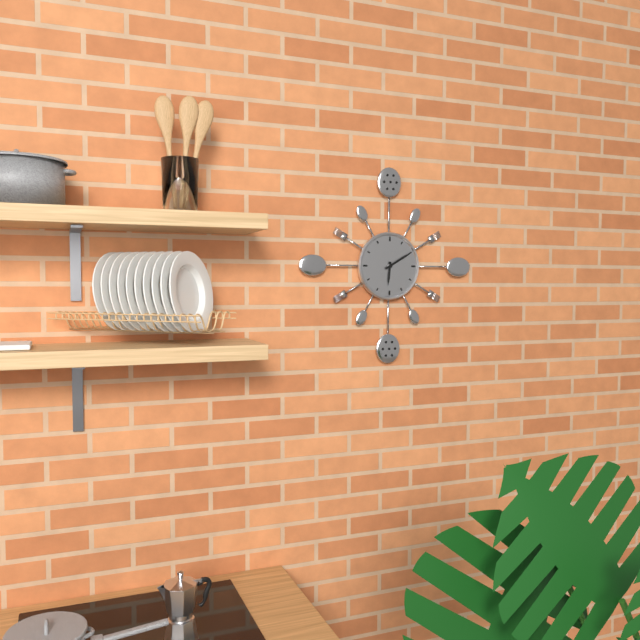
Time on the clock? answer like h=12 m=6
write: h=6 m=10
